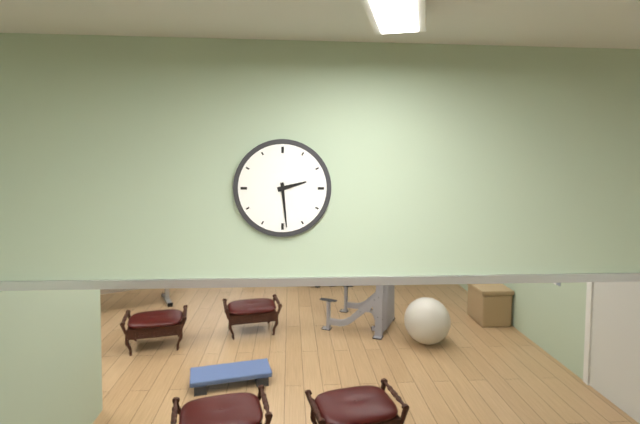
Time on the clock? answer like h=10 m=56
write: h=2 m=29
